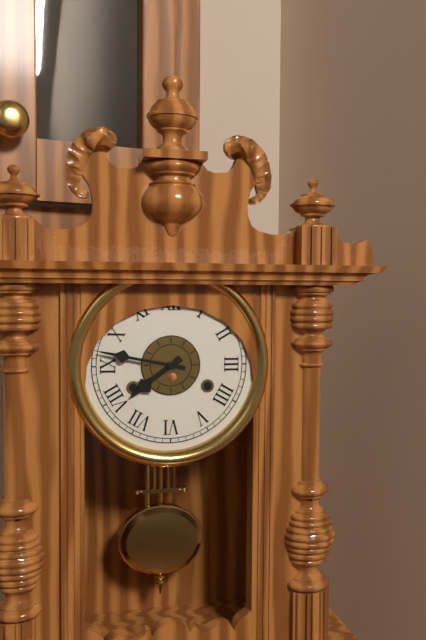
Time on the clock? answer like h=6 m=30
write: h=7 m=47
